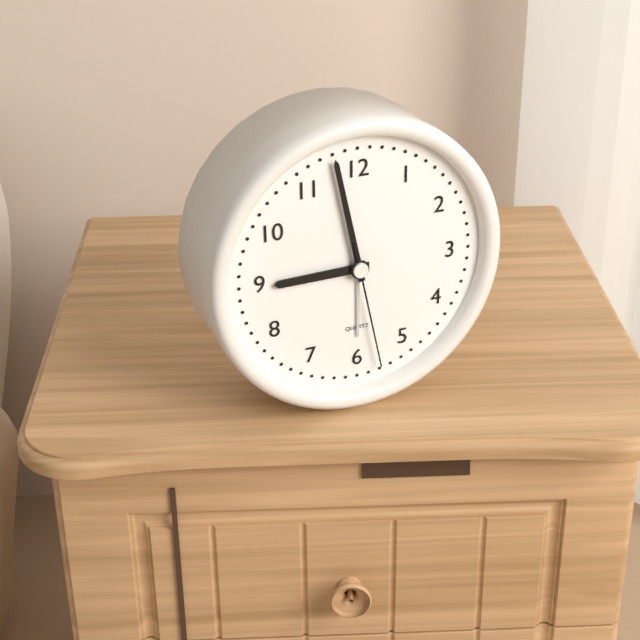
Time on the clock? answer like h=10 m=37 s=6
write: h=8 m=58 s=28
